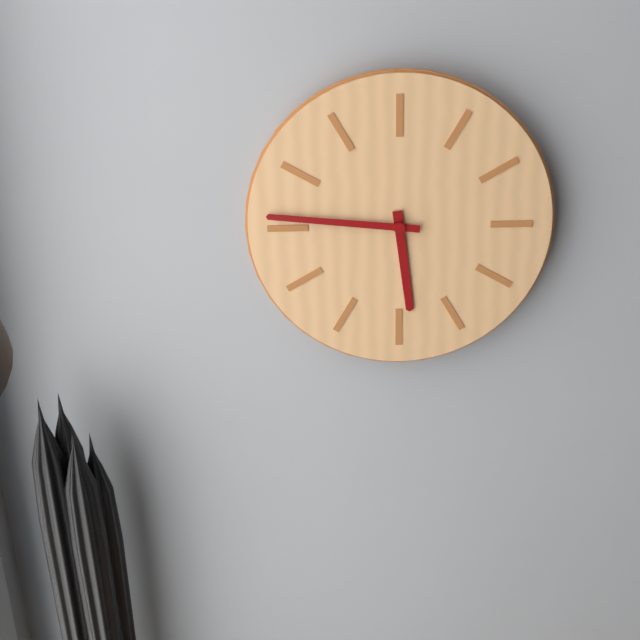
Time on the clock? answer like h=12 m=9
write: h=5 m=46
